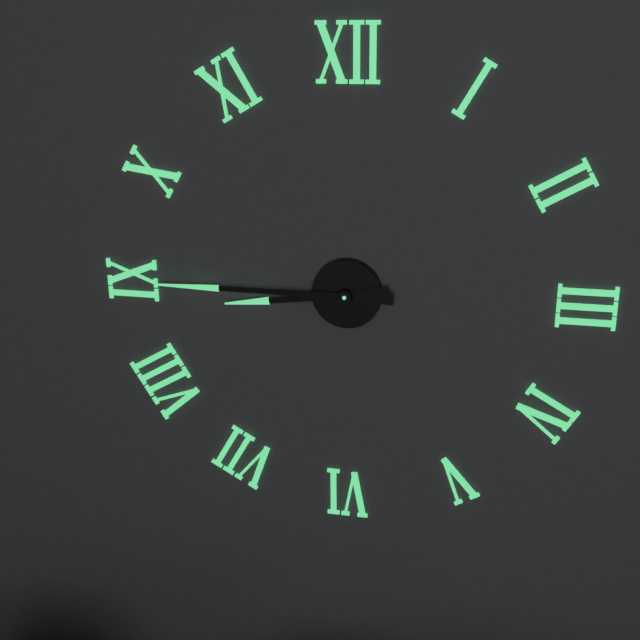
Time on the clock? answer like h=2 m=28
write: h=8 m=45
